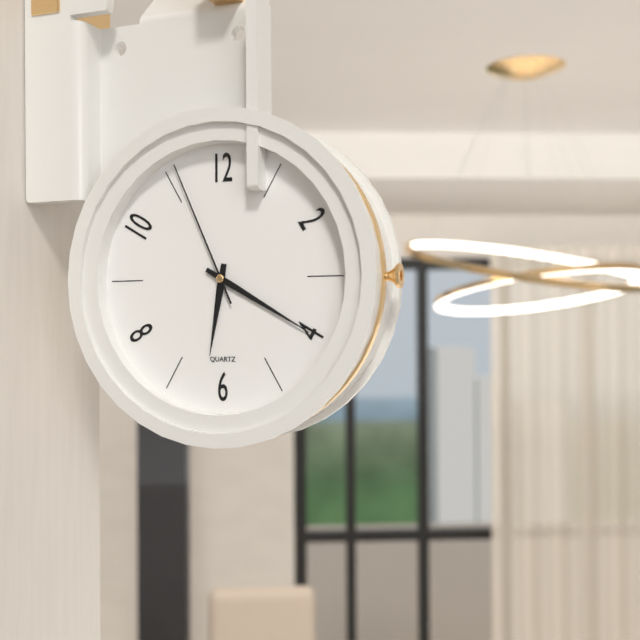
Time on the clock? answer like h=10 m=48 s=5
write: h=6 m=20 s=56
